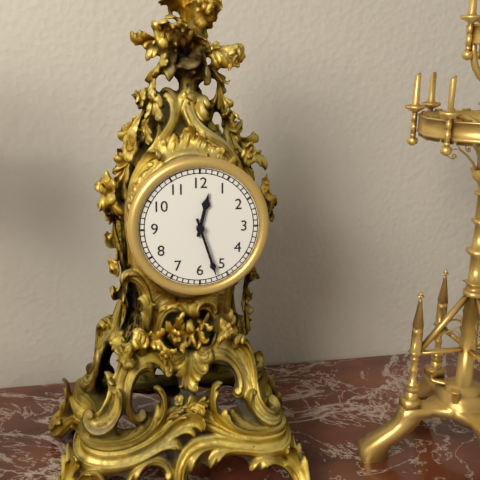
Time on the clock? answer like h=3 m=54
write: h=12 m=27
